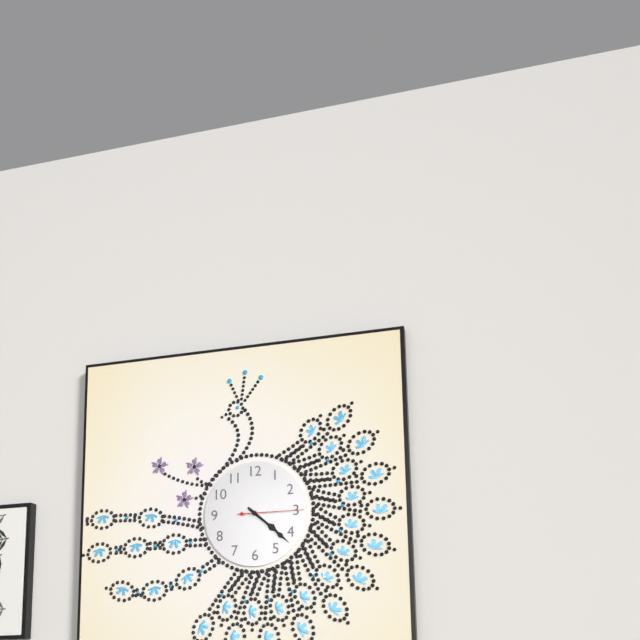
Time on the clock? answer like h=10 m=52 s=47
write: h=4 m=22 s=15
